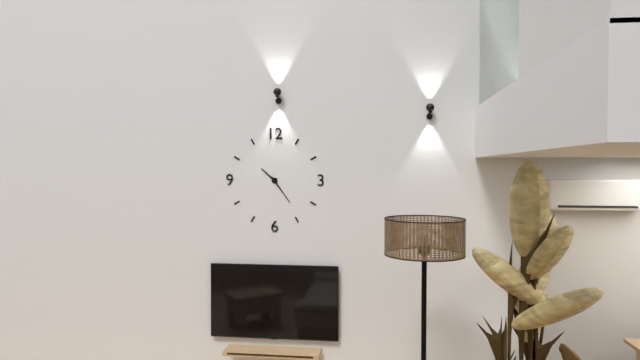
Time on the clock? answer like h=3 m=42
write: h=10 m=24
